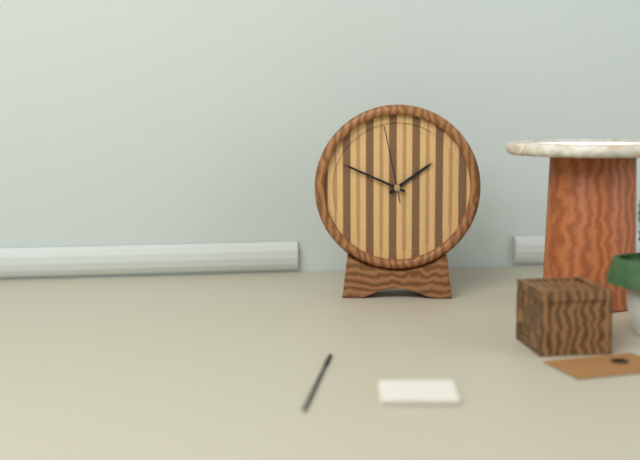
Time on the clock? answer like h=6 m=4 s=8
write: h=1 m=49 s=58
